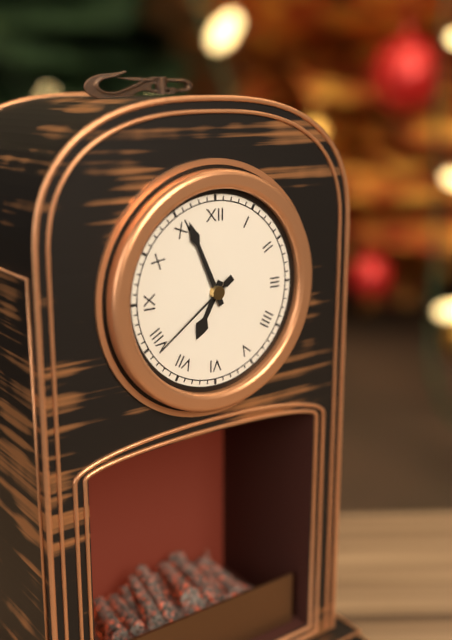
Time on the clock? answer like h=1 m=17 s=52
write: h=6 m=56 s=39
